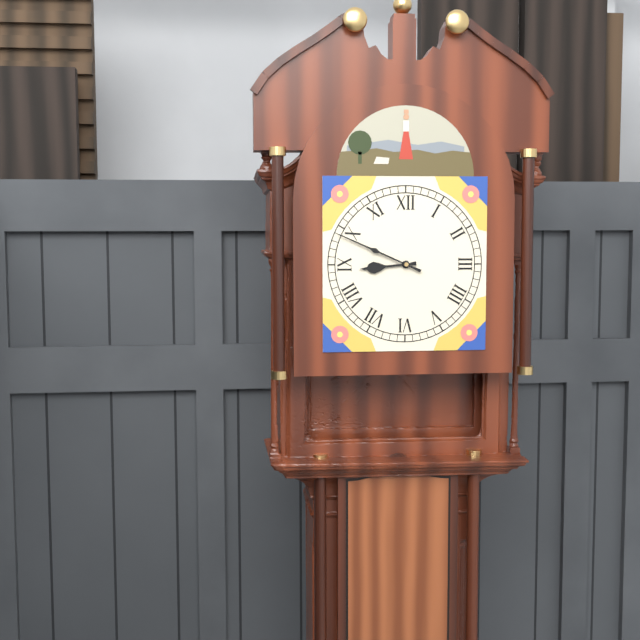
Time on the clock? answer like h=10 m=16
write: h=8 m=49
